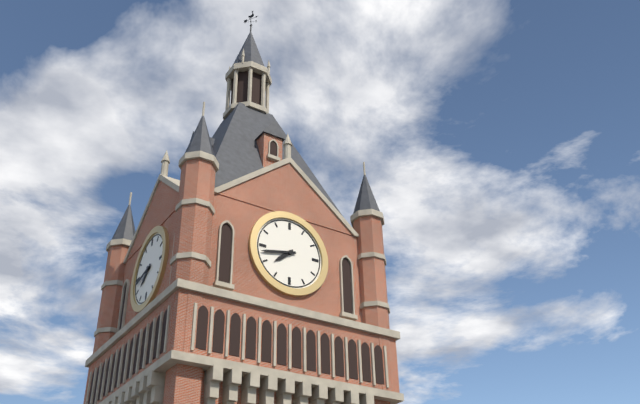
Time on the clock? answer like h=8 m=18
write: h=7 m=43
